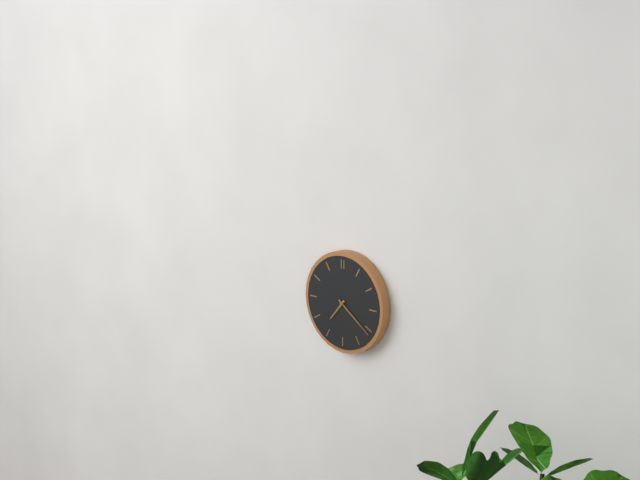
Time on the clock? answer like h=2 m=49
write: h=7 m=21
